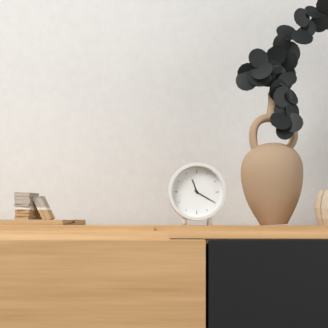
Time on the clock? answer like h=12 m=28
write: h=11 m=20
